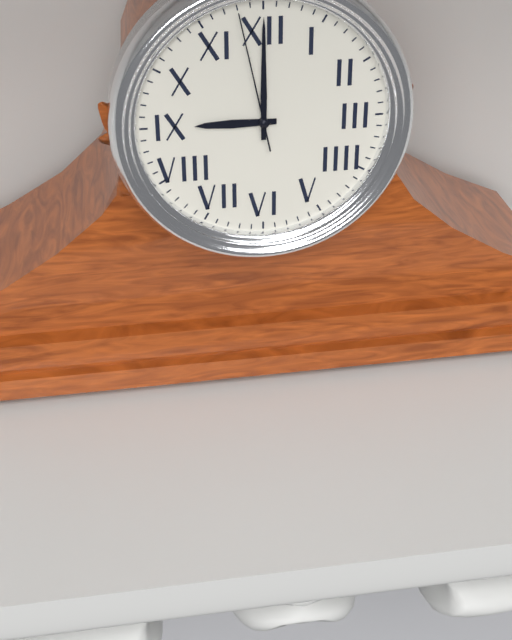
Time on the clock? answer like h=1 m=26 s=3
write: h=9 m=0 s=58
